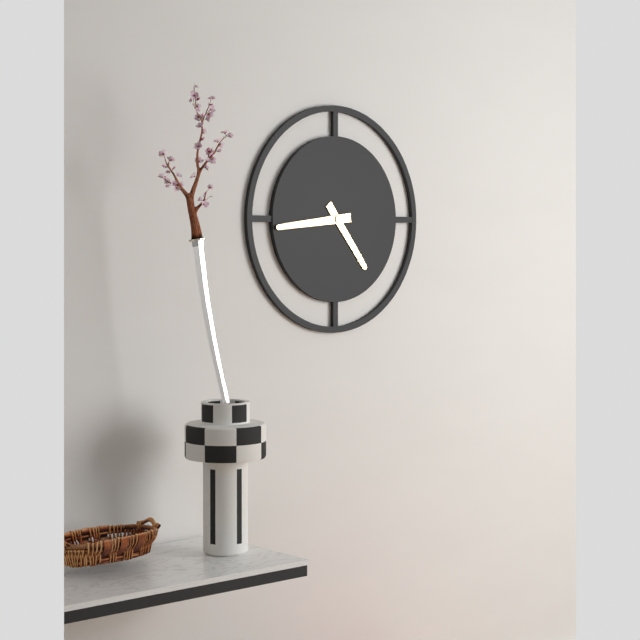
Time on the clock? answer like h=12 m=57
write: h=4 m=44
